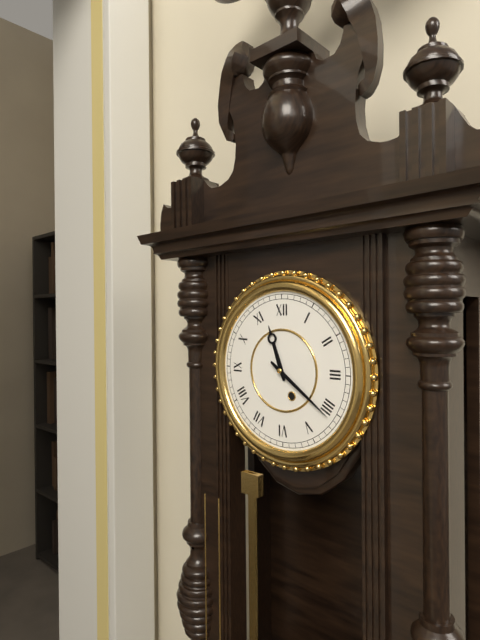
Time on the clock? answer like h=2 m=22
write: h=11 m=21
